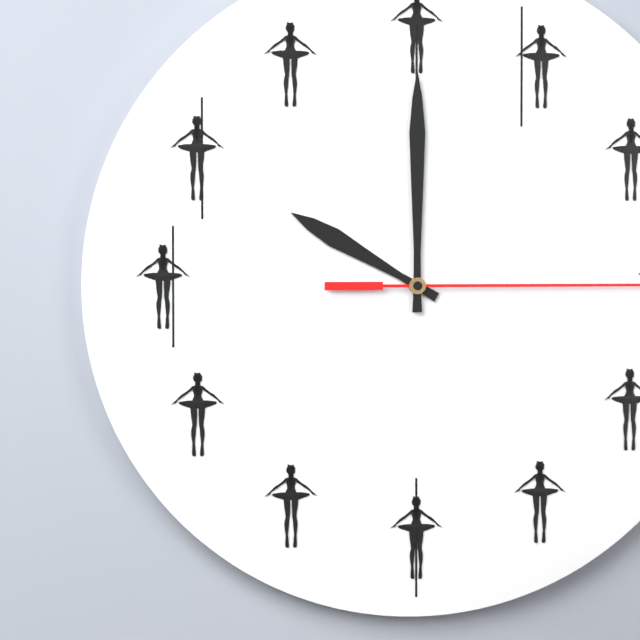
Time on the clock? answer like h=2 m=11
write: h=10 m=0
